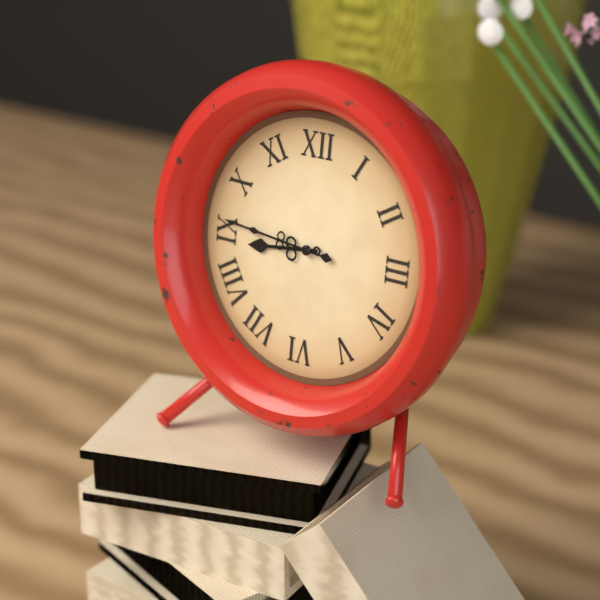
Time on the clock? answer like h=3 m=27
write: h=8 m=46
